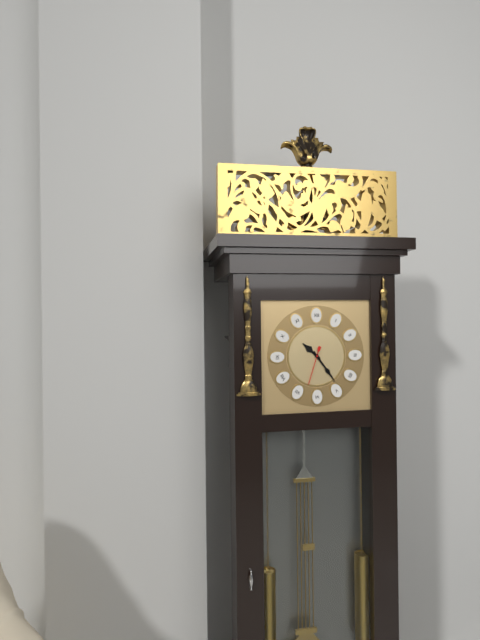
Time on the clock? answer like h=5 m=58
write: h=10 m=24
